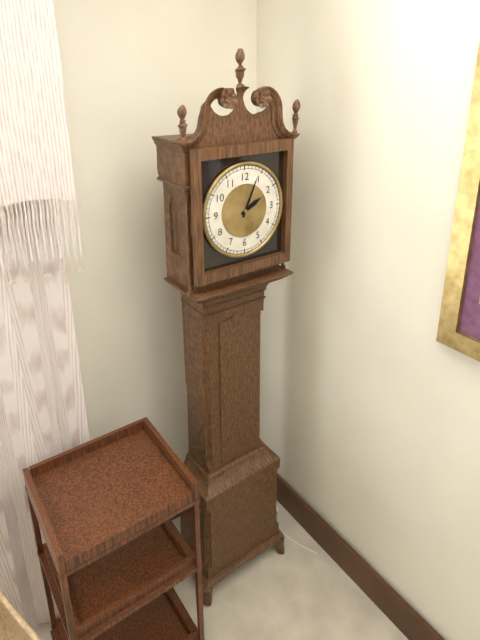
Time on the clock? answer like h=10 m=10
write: h=2 m=4
